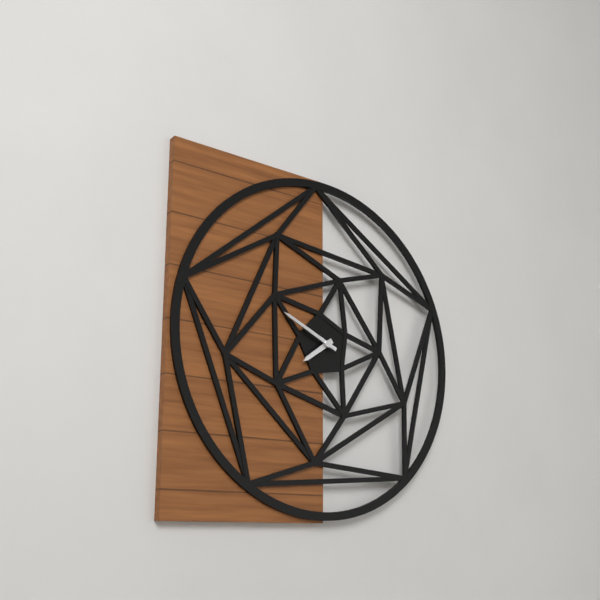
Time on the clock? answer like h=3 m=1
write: h=7 m=49
